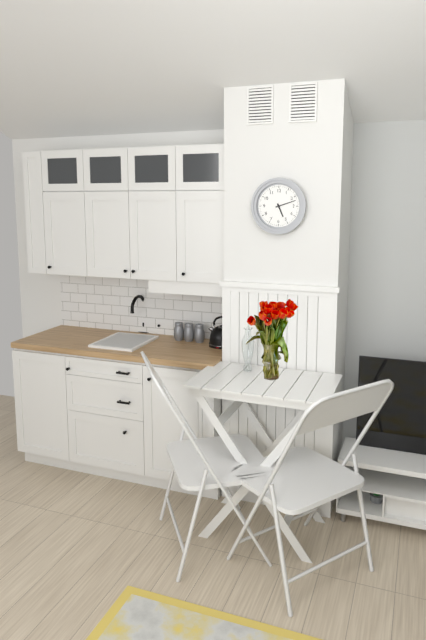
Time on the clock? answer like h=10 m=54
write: h=5 m=12
